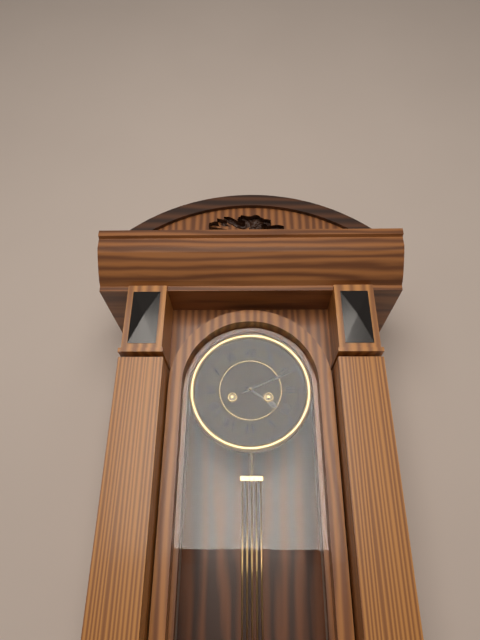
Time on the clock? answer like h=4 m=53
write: h=4 m=11
